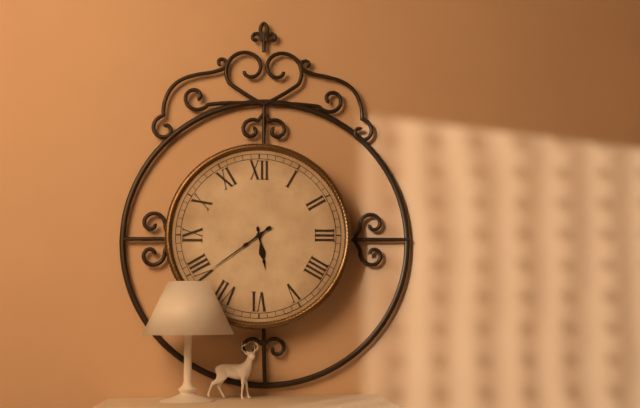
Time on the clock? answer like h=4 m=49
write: h=5 m=39
